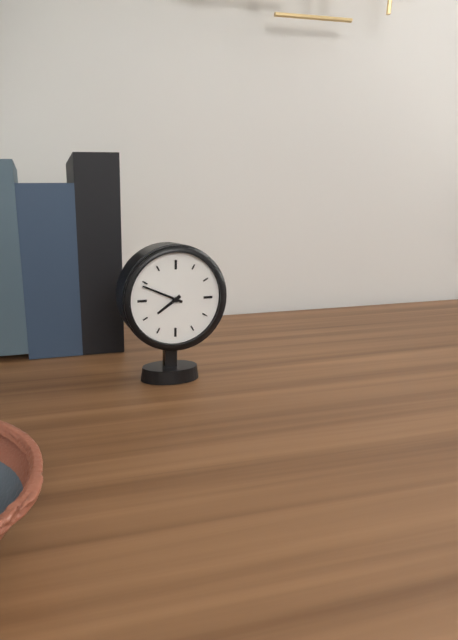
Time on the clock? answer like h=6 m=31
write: h=7 m=49
